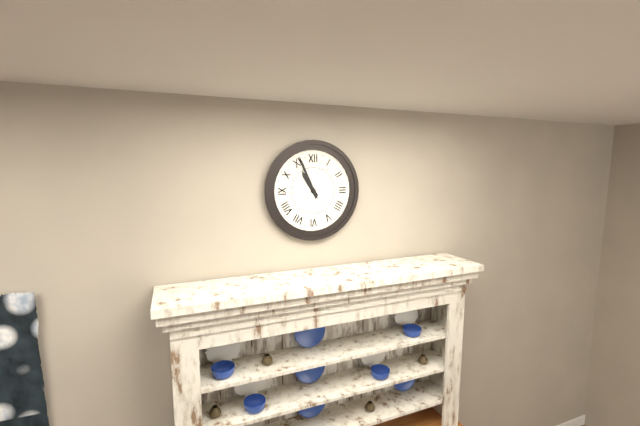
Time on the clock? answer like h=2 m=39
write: h=10 m=56
